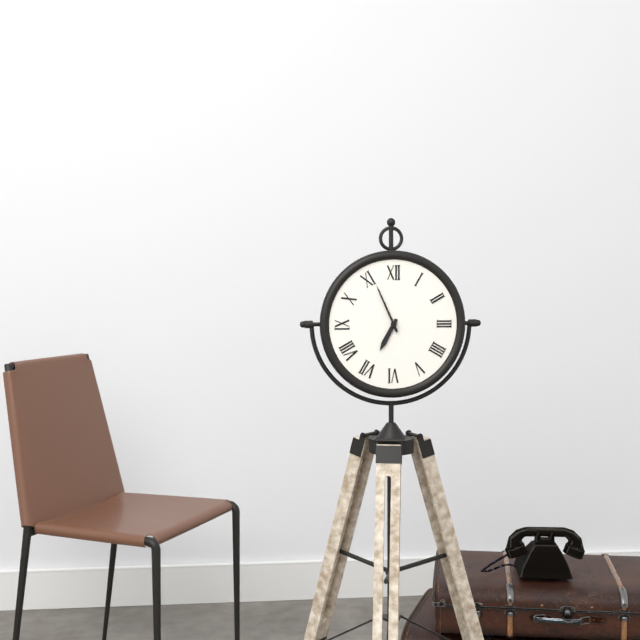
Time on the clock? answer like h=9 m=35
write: h=6 m=56
